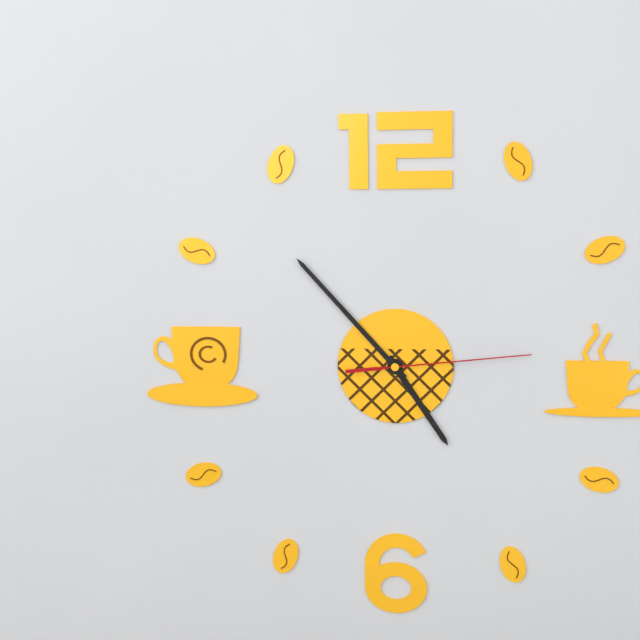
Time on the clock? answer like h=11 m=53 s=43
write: h=4 m=53 s=14
